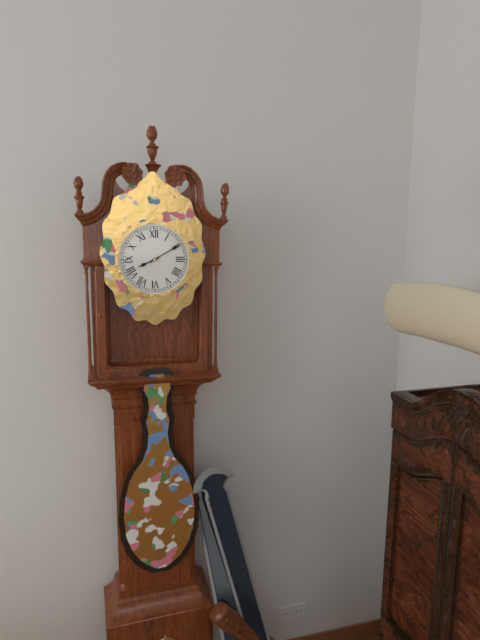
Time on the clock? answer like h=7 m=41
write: h=8 m=10
